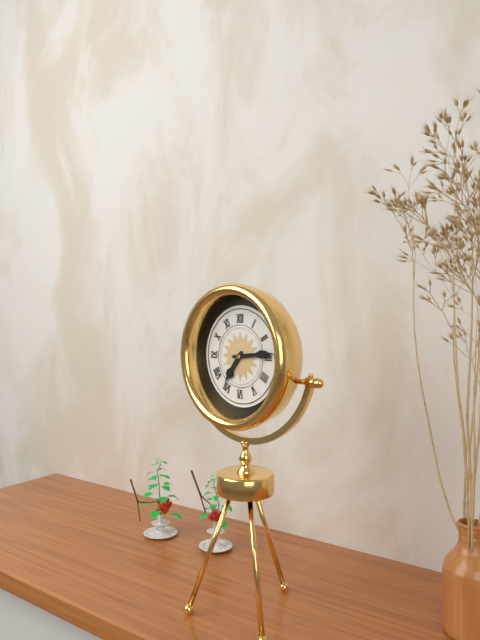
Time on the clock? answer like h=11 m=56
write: h=7 m=14
